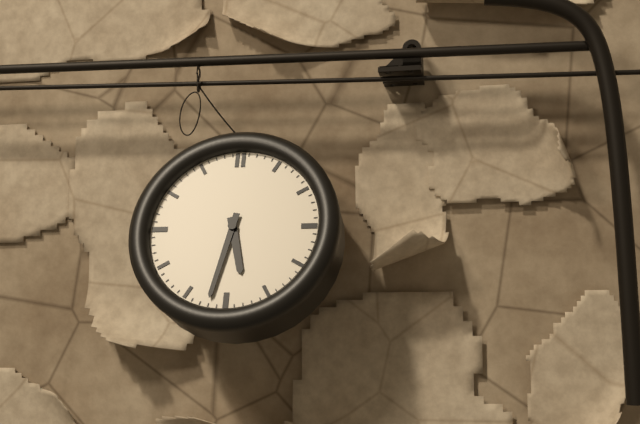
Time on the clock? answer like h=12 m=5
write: h=5 m=32
